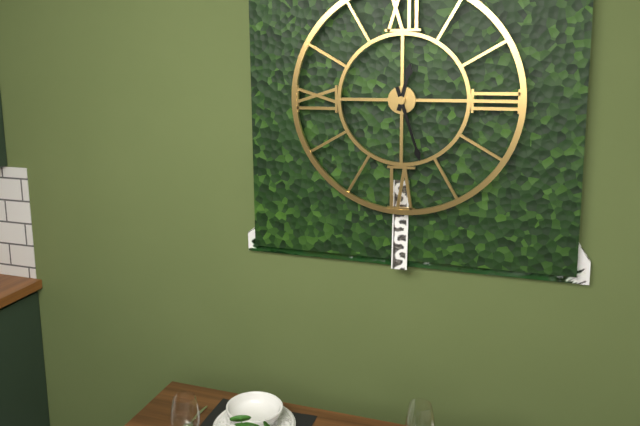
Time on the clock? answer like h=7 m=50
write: h=12 m=27
